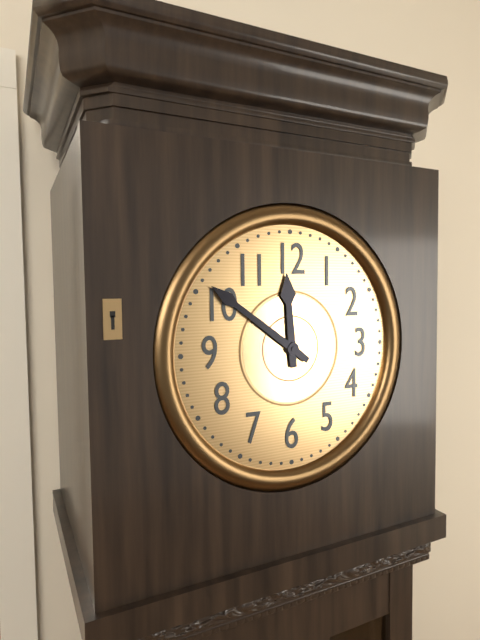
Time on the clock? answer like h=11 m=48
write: h=11 m=51
